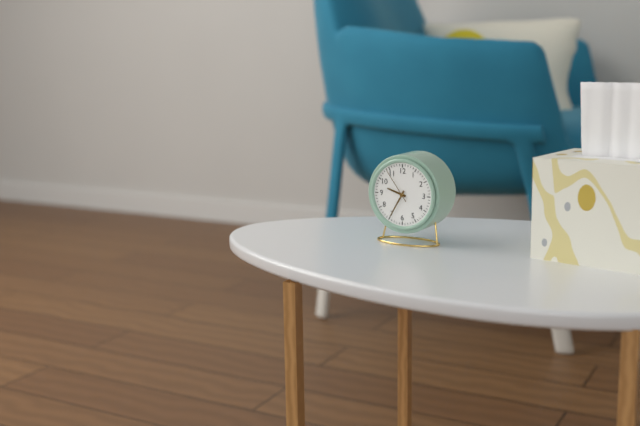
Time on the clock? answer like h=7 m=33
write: h=9 m=35
